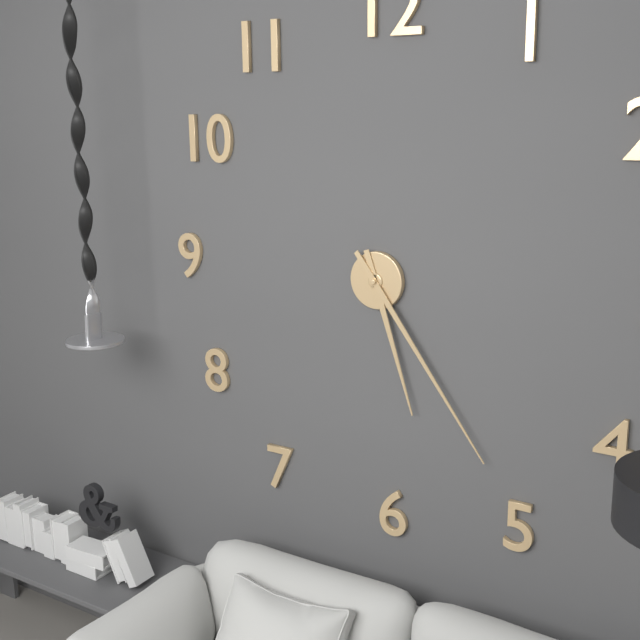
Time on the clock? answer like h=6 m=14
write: h=5 m=24
